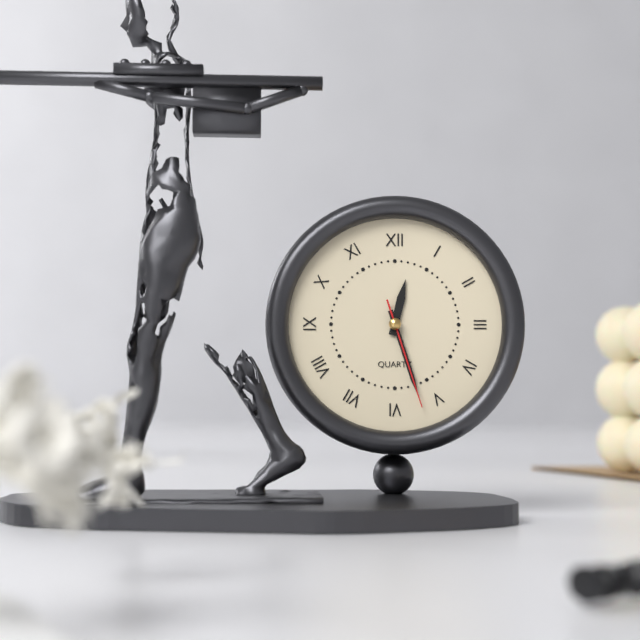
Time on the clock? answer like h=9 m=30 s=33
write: h=12 m=27 s=27
